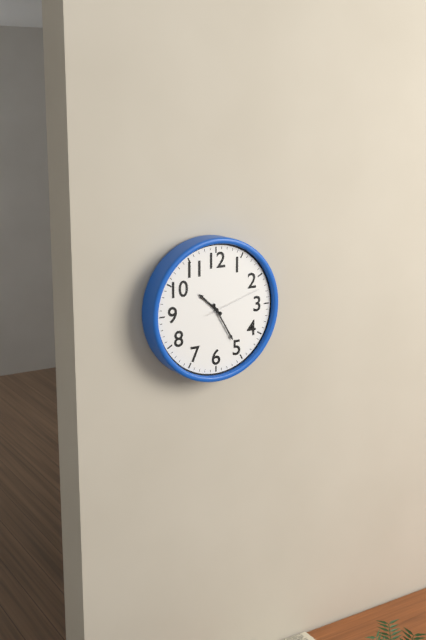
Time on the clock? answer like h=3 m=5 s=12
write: h=10 m=25 s=12
